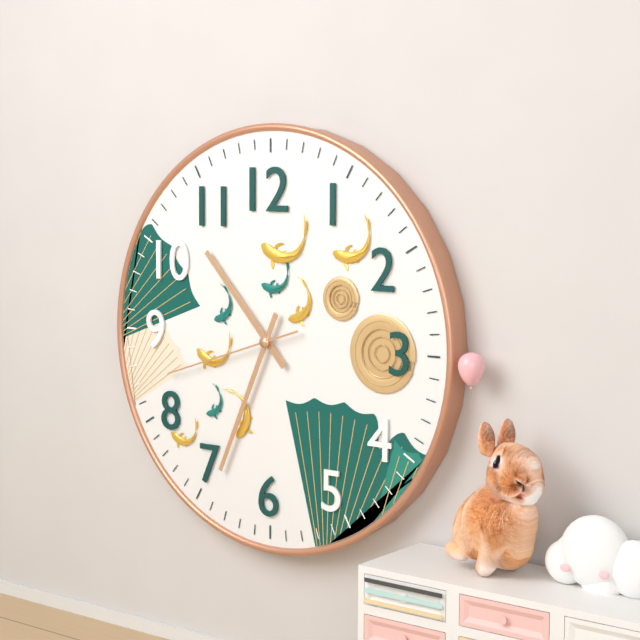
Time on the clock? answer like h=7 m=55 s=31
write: h=10 m=34 s=42
